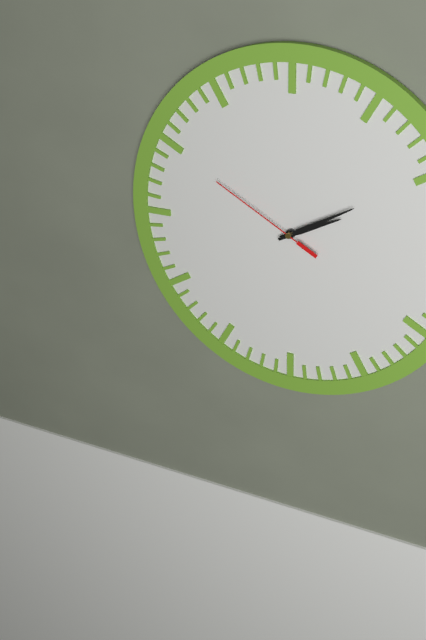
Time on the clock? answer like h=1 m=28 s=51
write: h=2 m=10 s=50
